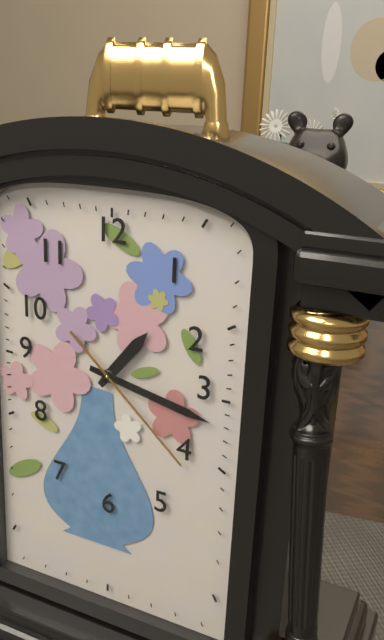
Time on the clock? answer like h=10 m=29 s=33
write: h=1 m=17 s=22
